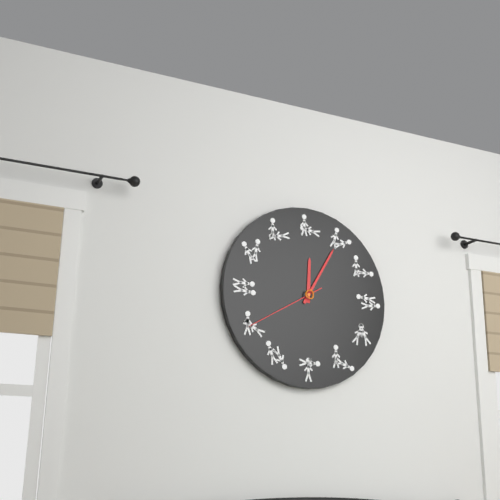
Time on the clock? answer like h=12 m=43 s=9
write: h=12 m=5 s=40
